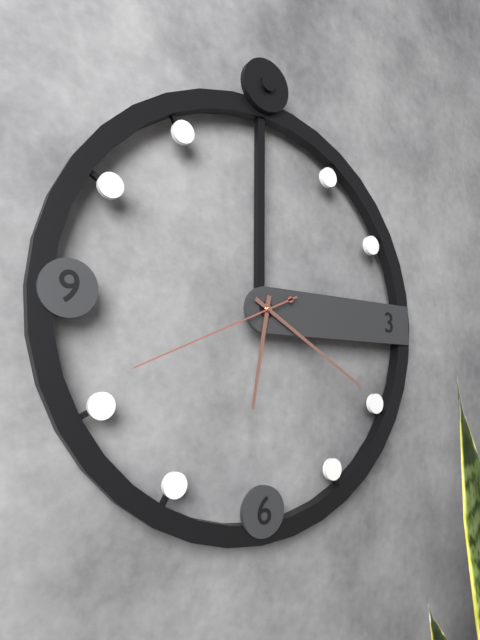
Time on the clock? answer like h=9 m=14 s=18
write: h=6 m=20 s=41
